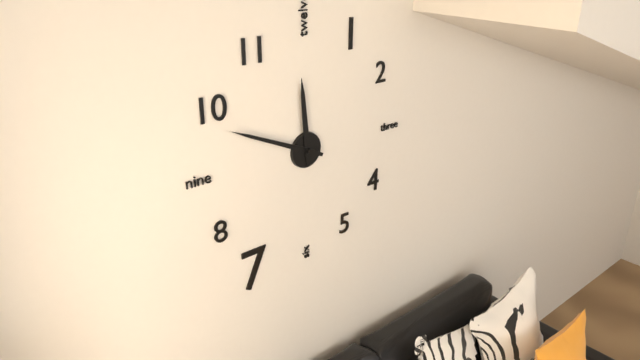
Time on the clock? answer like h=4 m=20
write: h=11 m=49
